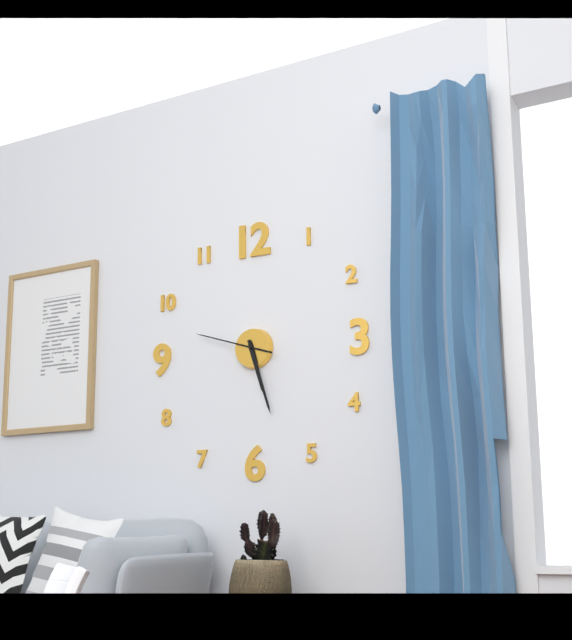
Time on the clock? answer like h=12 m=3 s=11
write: h=5 m=27 s=48
